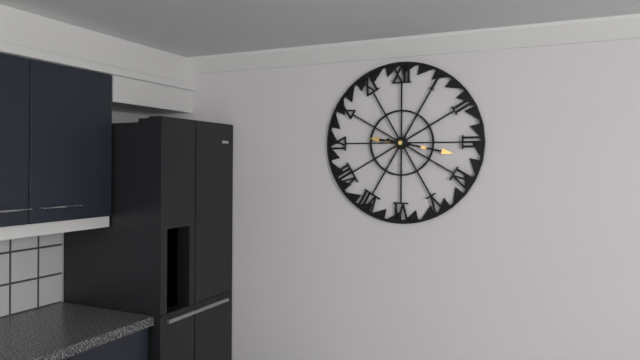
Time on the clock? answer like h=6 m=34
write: h=9 m=17
